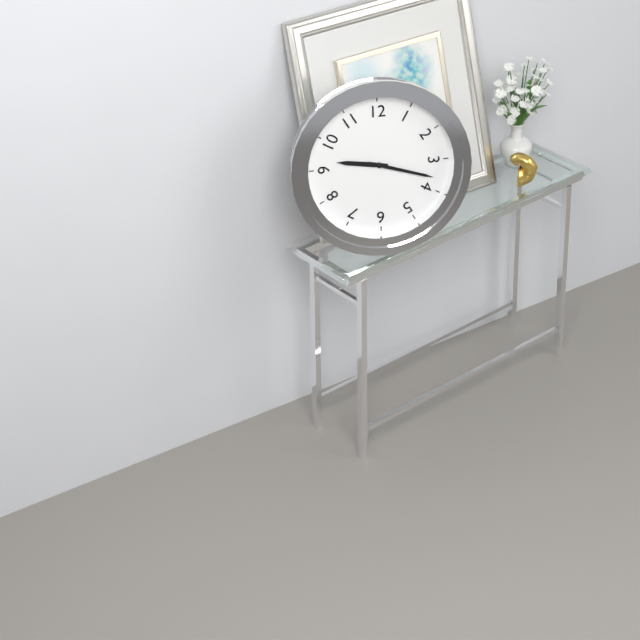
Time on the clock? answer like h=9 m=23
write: h=9 m=18
